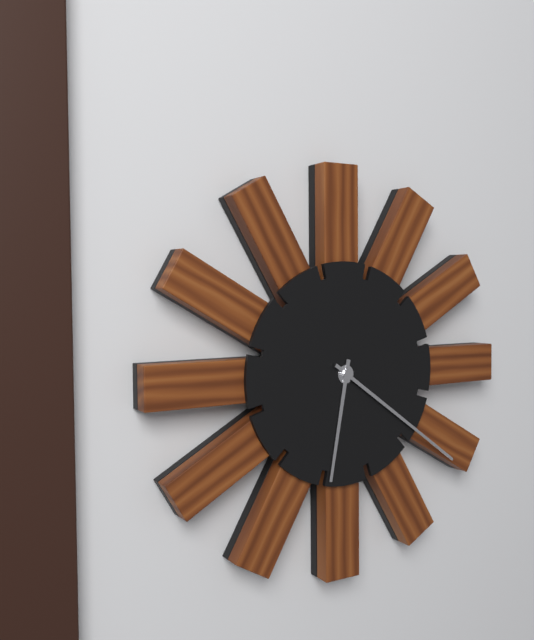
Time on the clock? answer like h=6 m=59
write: h=6 m=21
